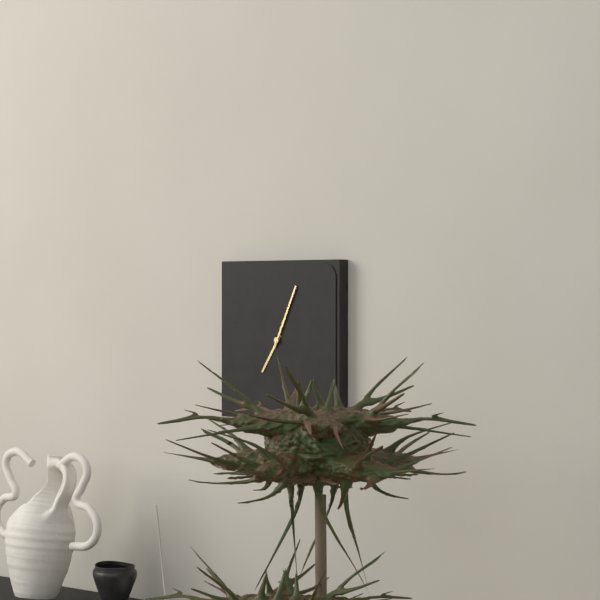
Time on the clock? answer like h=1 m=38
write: h=7 m=4
